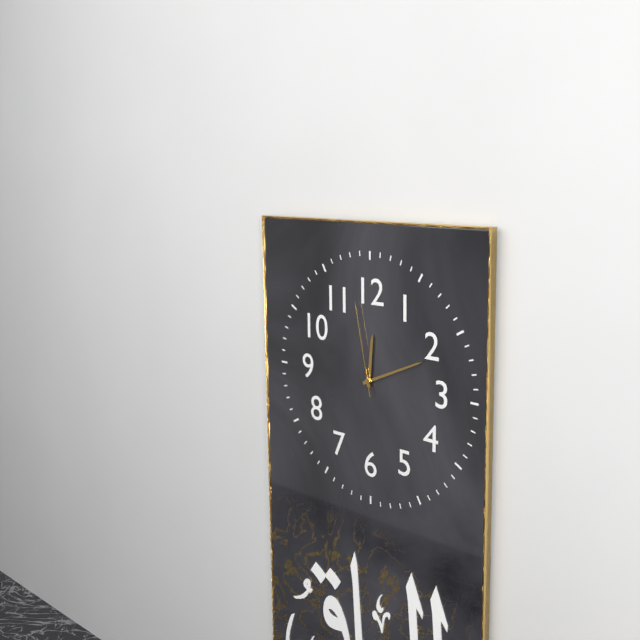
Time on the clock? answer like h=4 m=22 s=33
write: h=12 m=11 s=58
